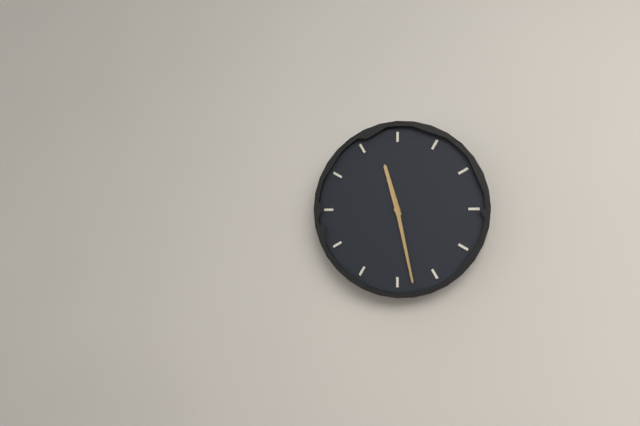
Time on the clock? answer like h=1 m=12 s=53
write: h=11 m=28 s=28
